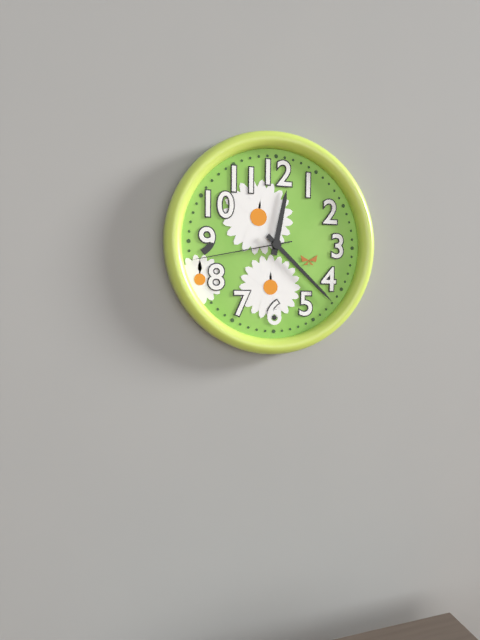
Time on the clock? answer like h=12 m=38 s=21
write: h=12 m=22 s=43
